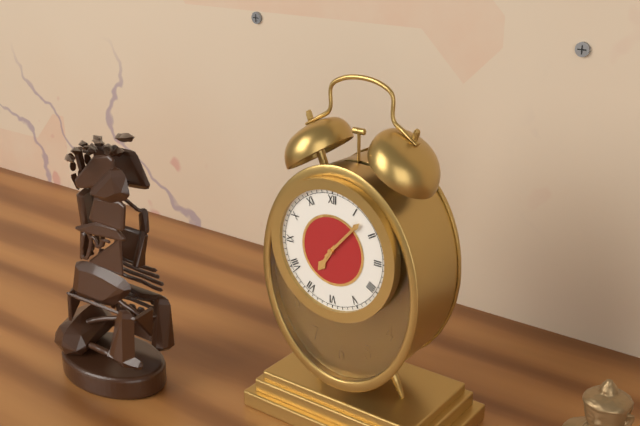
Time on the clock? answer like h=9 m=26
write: h=7 m=7
